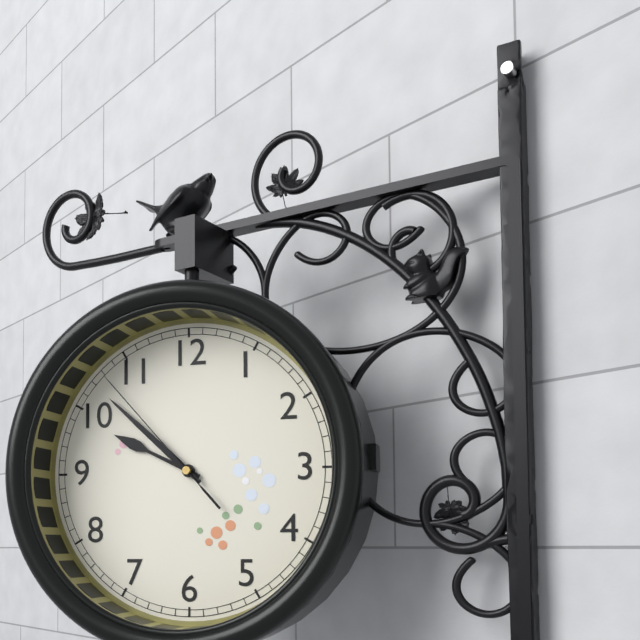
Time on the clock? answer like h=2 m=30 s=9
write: h=9 m=52 s=53
